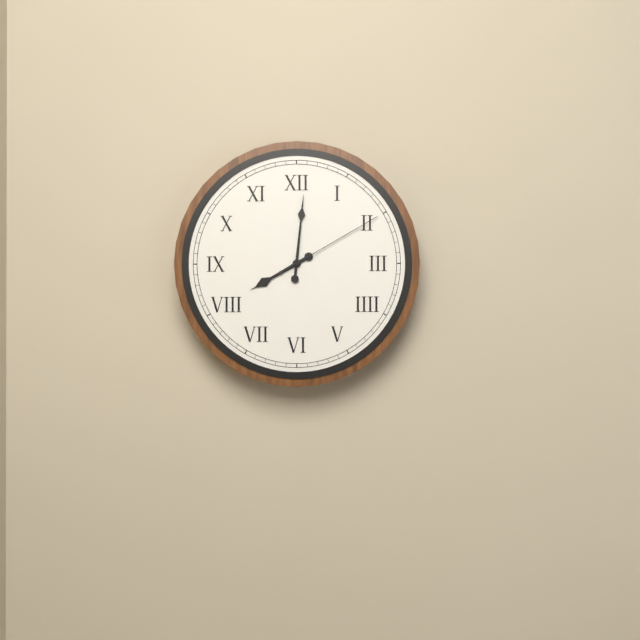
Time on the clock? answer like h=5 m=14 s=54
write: h=8 m=1 s=10
